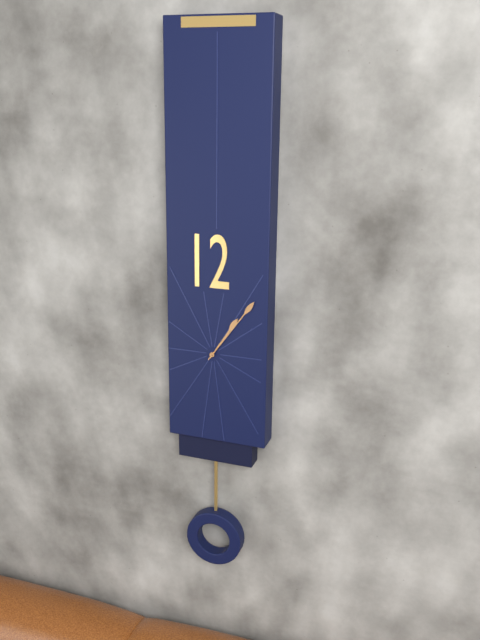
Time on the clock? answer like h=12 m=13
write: h=1 m=6
